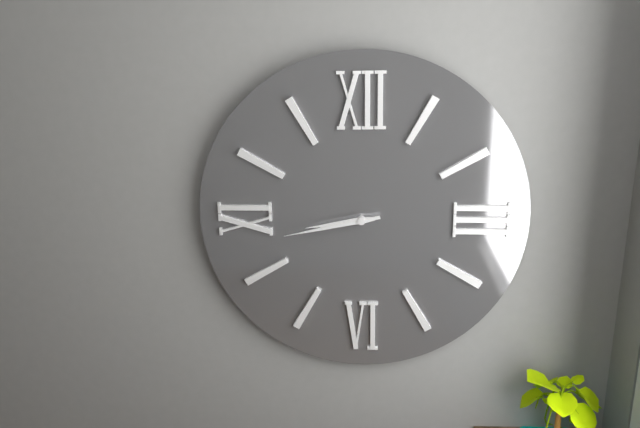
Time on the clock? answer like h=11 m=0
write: h=8 m=43
